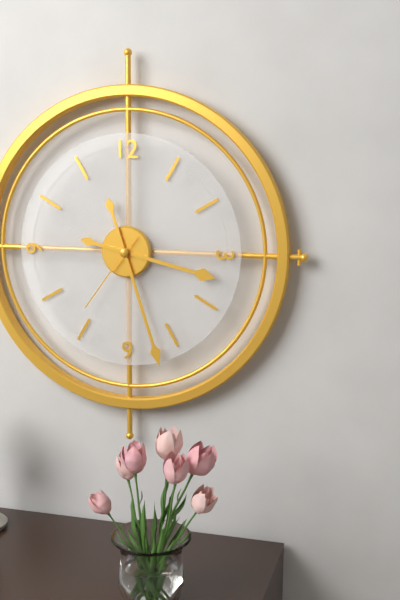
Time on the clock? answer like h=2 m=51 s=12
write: h=3 m=27 s=36
